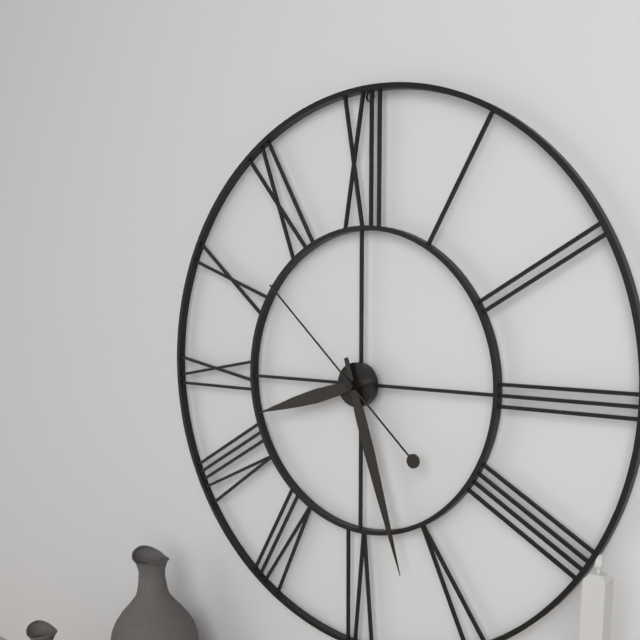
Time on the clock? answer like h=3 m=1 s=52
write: h=8 m=27 s=52
